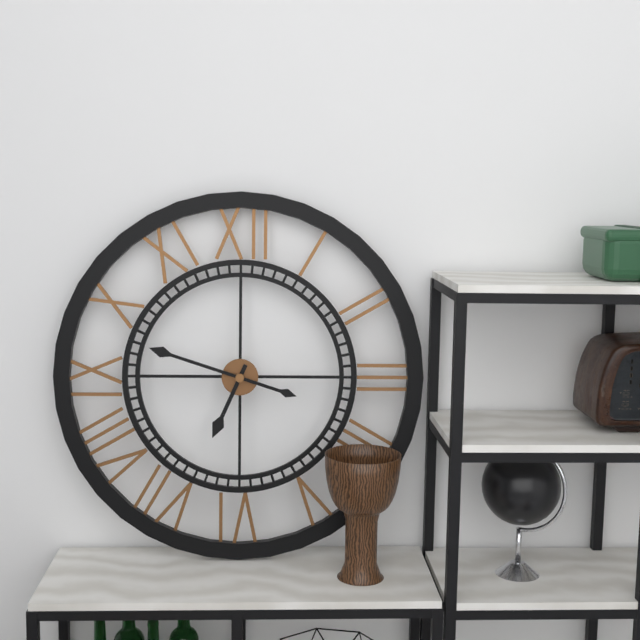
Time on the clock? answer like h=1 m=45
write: h=6 m=48
